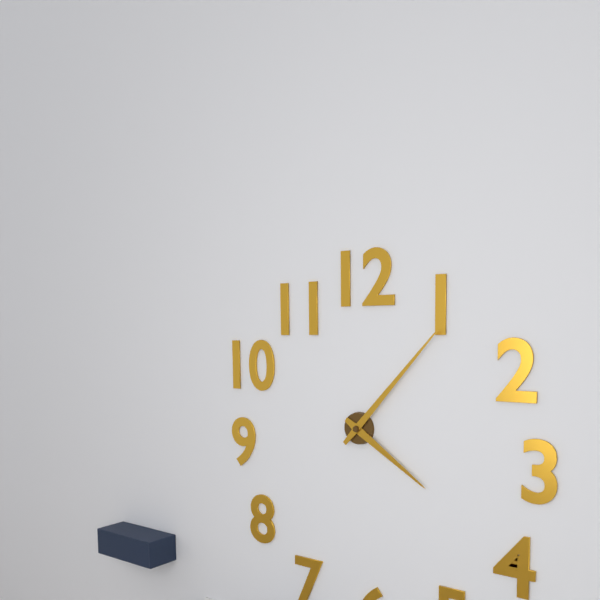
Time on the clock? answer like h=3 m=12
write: h=4 m=7
